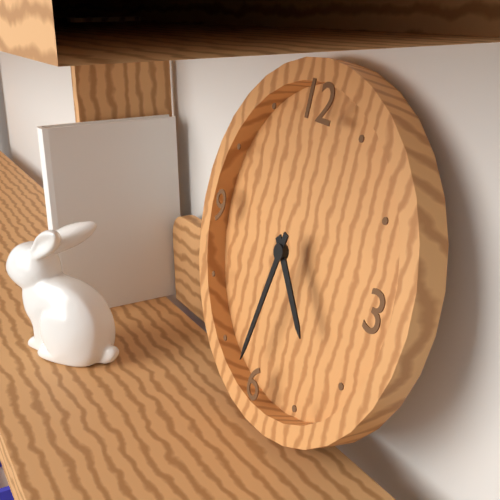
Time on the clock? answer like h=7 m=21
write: h=4 m=32
